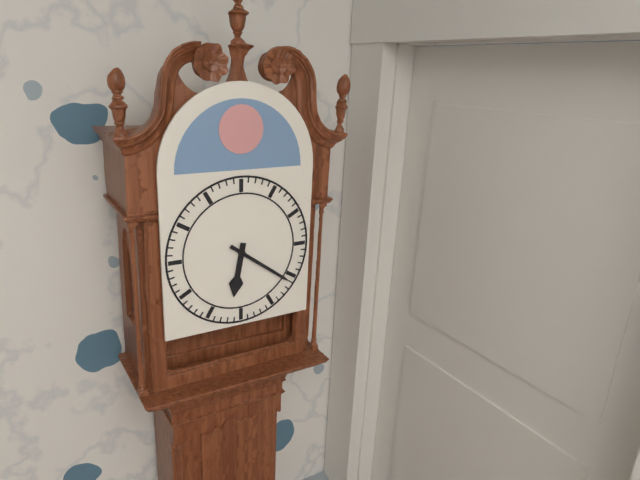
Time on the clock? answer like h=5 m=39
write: h=6 m=21
